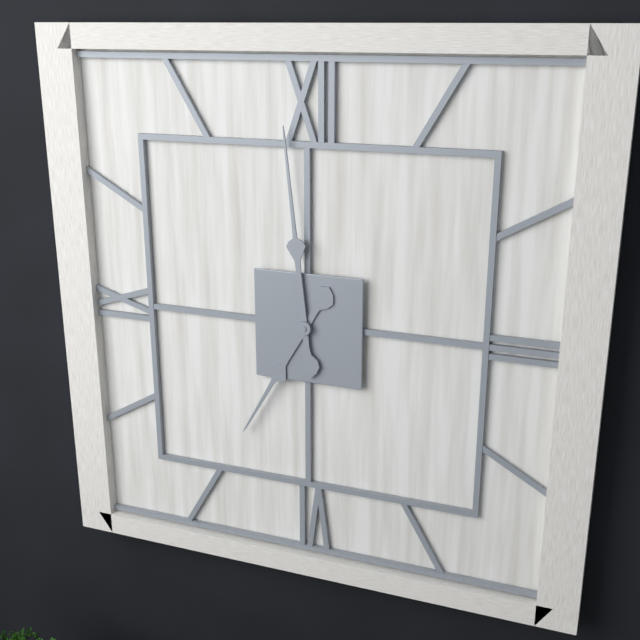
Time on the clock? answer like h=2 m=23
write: h=6 m=59
